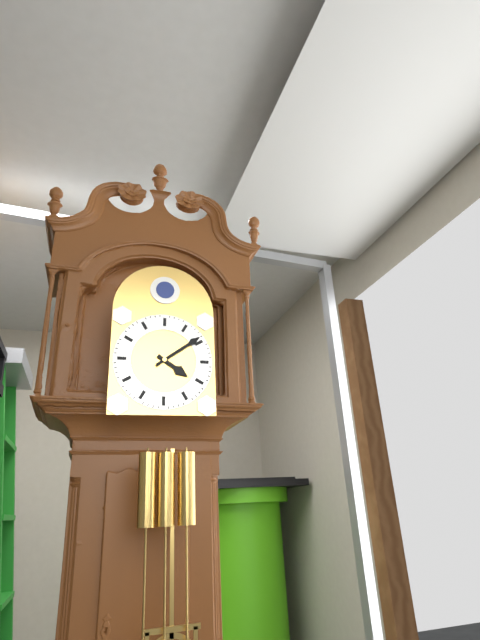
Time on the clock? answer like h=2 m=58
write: h=4 m=9
